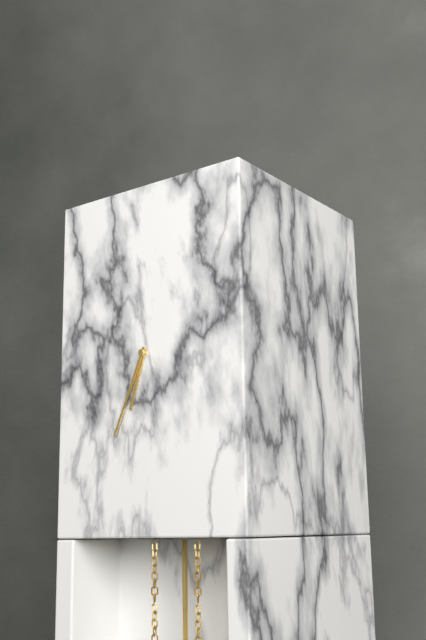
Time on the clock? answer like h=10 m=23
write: h=6 m=34
